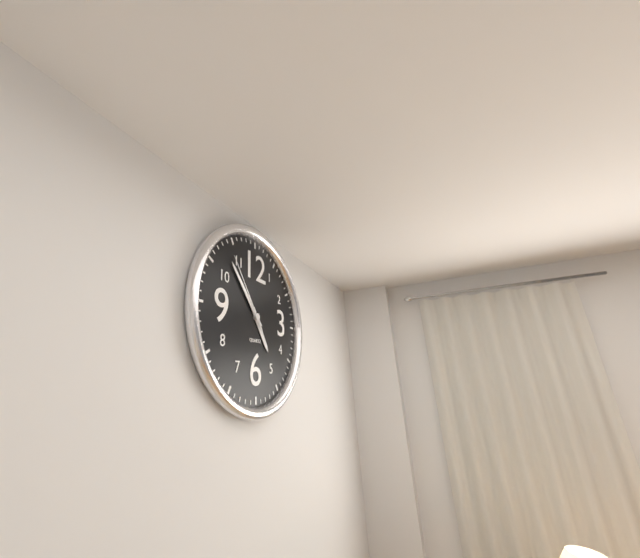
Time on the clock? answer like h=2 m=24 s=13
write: h=4 m=53 s=54
